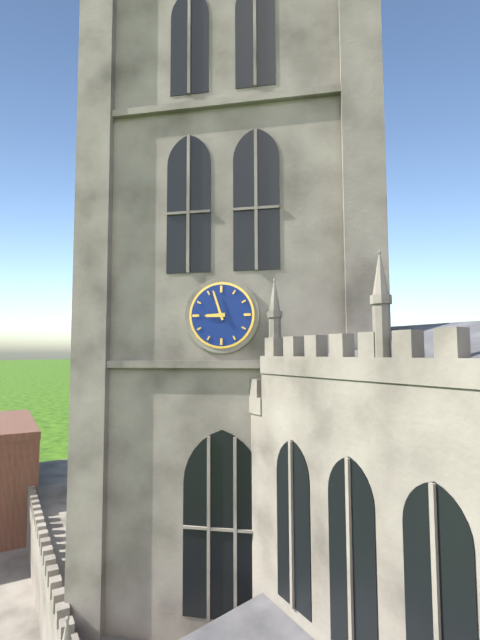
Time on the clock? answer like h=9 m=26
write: h=8 m=57
